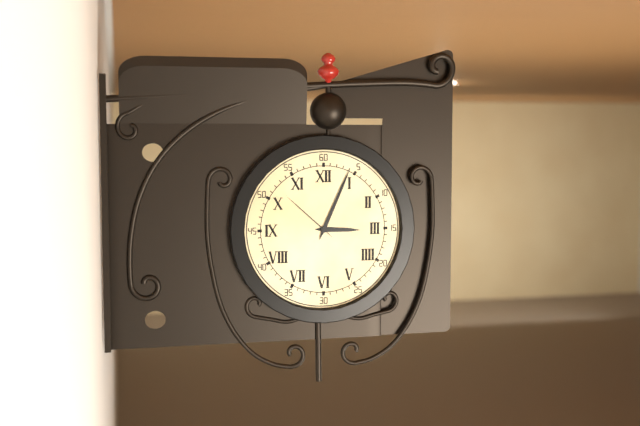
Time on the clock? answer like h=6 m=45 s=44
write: h=3 m=4 s=52
